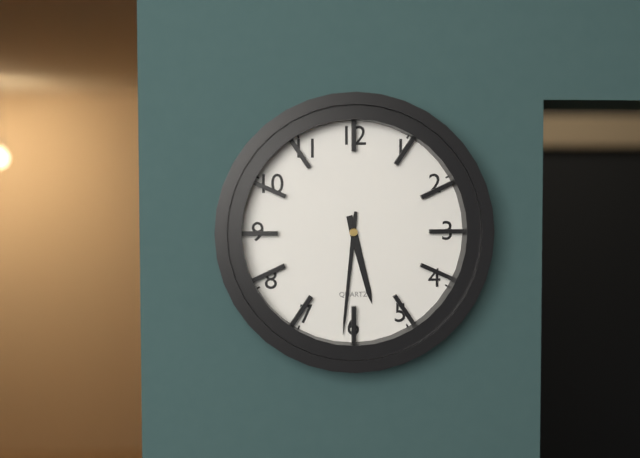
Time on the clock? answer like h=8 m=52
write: h=5 m=31
